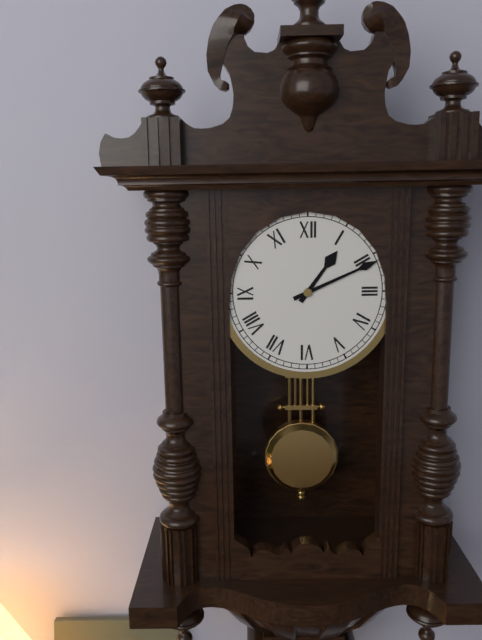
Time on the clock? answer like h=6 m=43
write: h=1 m=11
